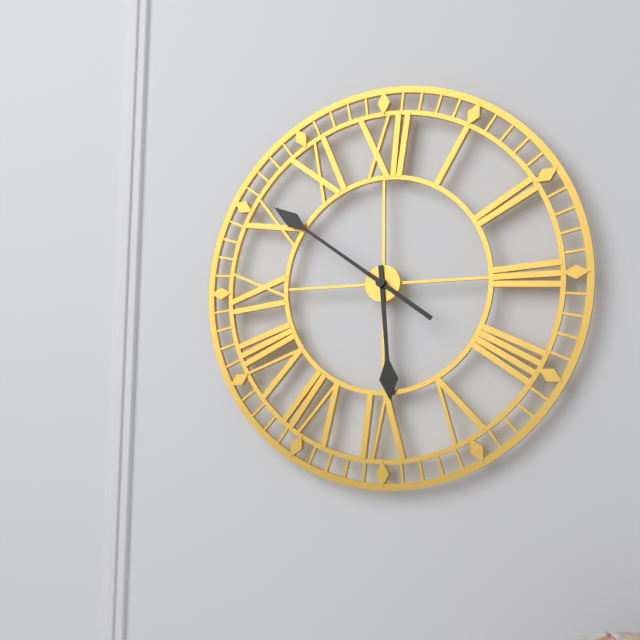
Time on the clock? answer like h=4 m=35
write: h=5 m=51
